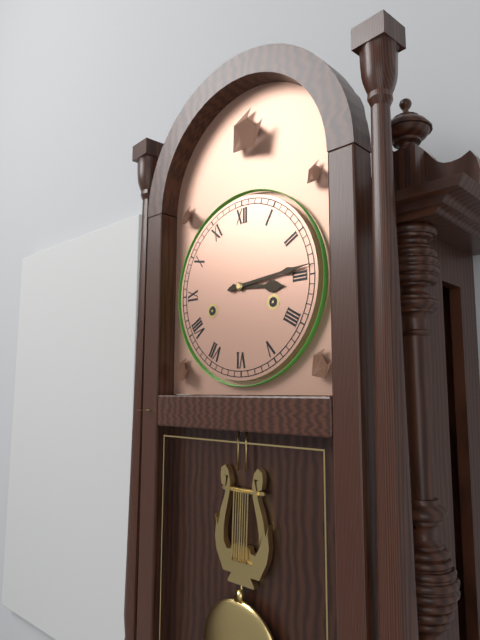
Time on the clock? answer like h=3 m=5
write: h=3 m=14
